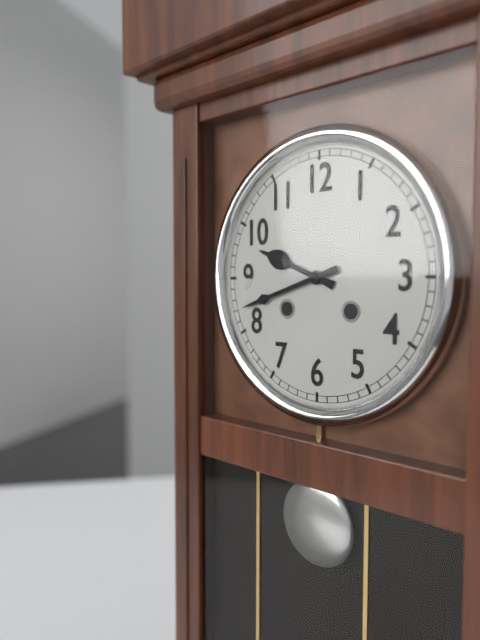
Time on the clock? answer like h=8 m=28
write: h=9 m=42
